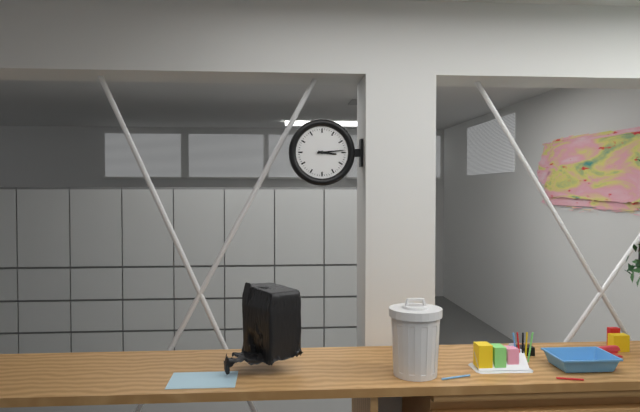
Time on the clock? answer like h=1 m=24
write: h=3 m=14
